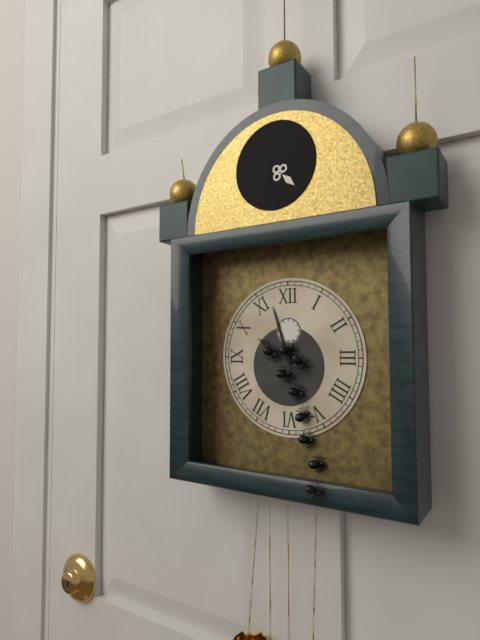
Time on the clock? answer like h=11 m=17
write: h=9 m=57
